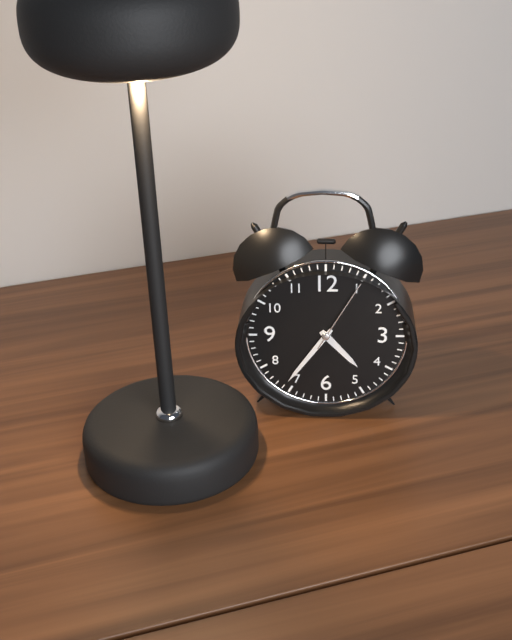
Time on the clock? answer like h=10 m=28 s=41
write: h=4 m=36 s=5
